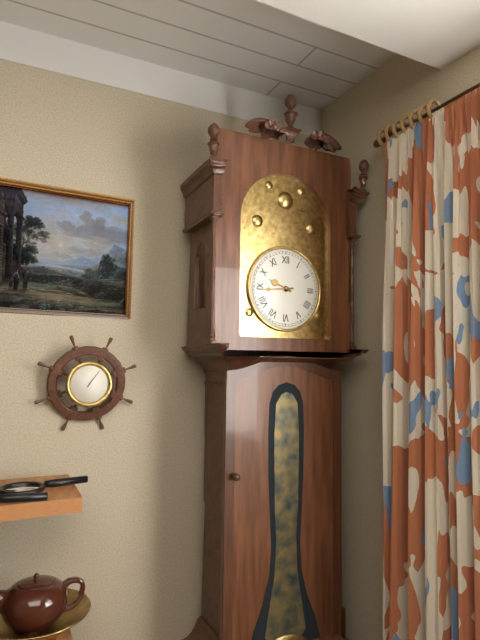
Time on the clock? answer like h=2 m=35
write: h=9 m=44
